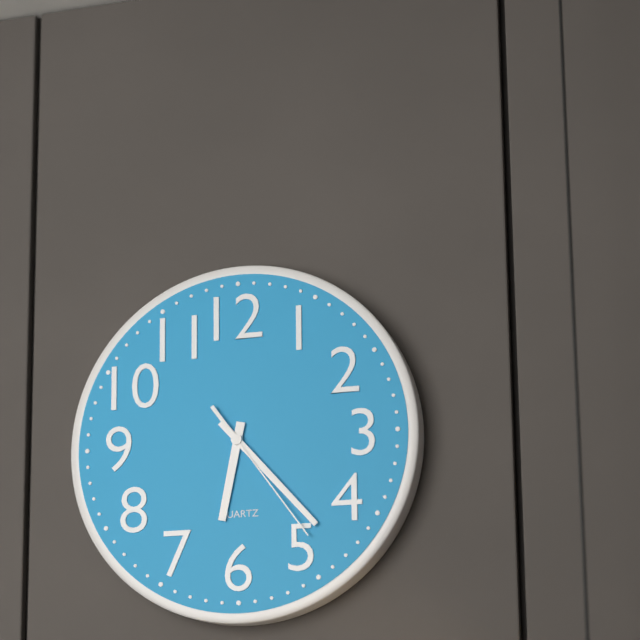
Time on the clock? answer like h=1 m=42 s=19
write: h=6 m=23 s=24
